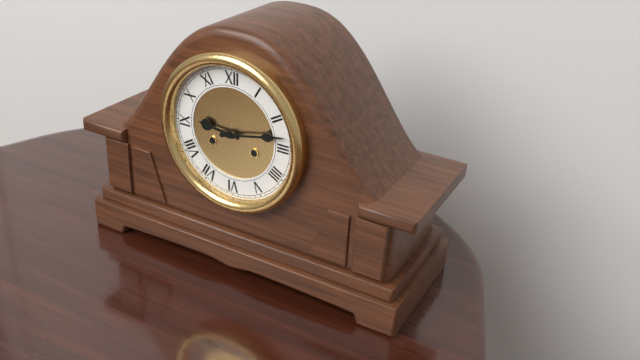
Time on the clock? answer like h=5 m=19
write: h=9 m=13
